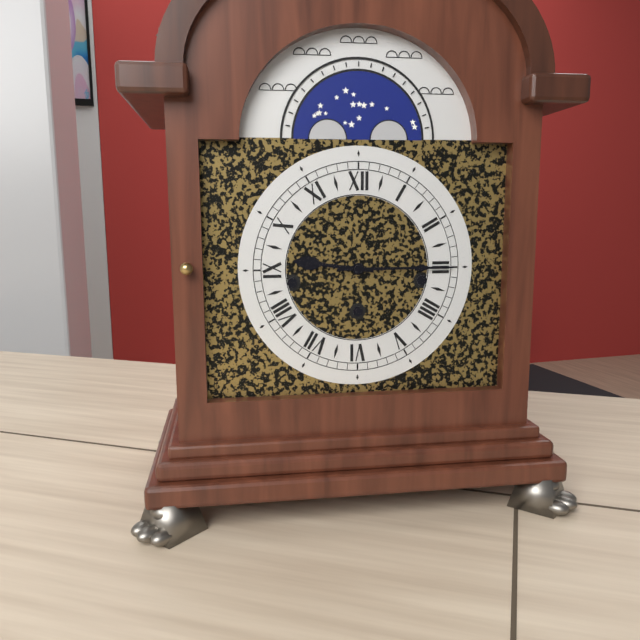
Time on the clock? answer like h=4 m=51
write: h=9 m=15
